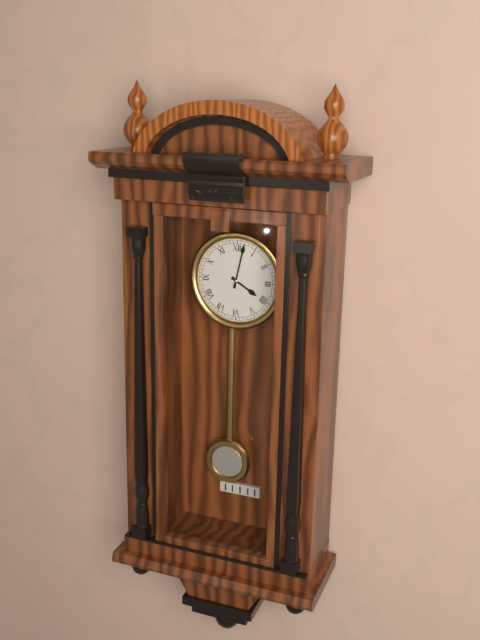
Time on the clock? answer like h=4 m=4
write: h=4 m=2
